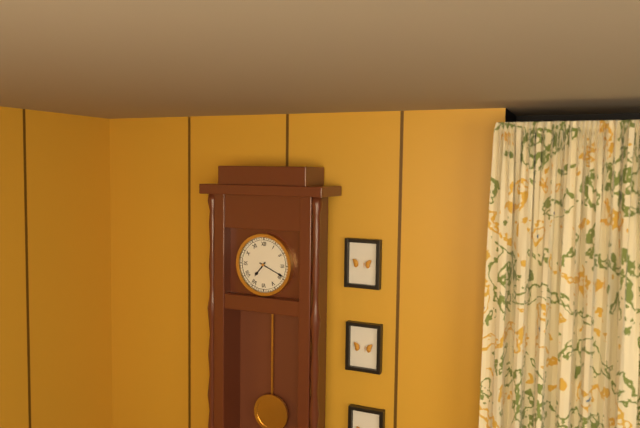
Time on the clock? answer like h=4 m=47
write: h=7 m=19
